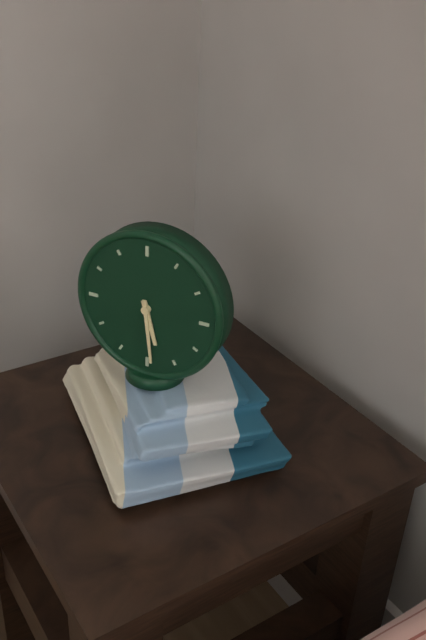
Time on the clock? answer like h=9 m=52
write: h=5 m=29
